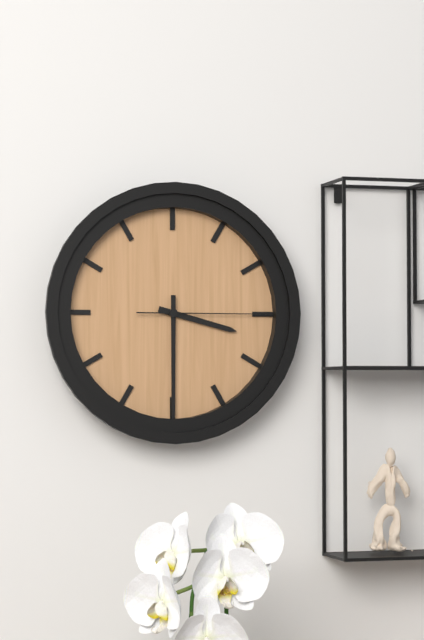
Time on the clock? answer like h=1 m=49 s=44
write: h=3 m=30 s=15
